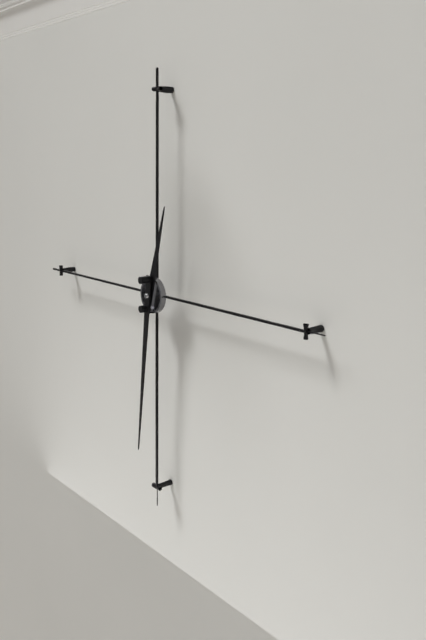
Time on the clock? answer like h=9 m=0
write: h=12 m=31
